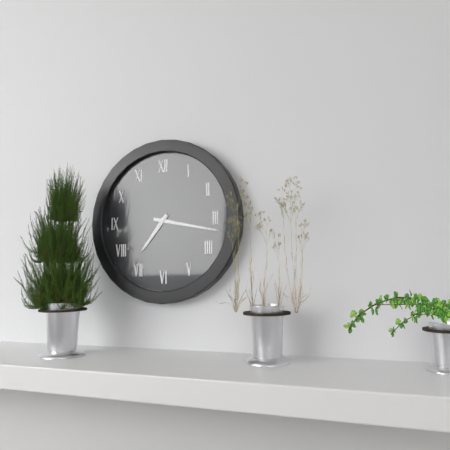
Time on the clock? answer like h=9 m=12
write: h=7 m=17
